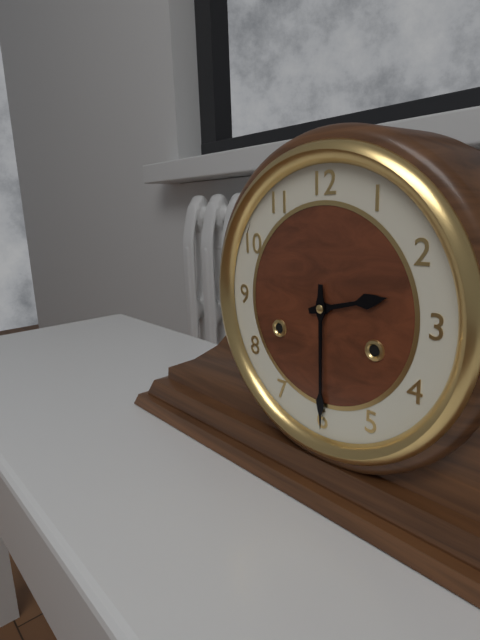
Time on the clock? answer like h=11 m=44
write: h=2 m=30
